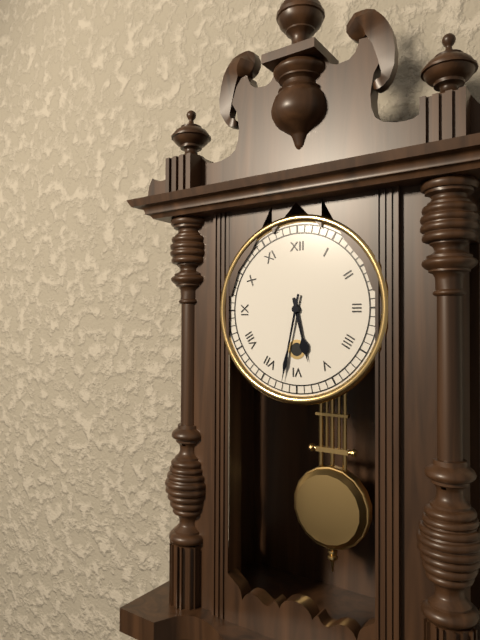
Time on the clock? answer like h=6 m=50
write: h=5 m=32
